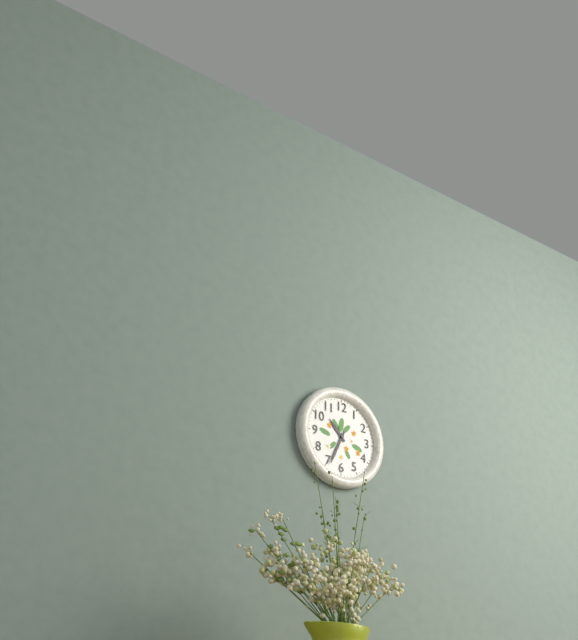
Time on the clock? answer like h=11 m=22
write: h=10 m=34
